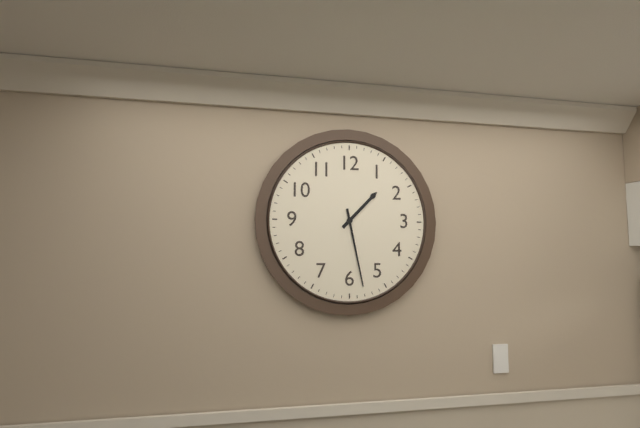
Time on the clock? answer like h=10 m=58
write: h=1 m=28
